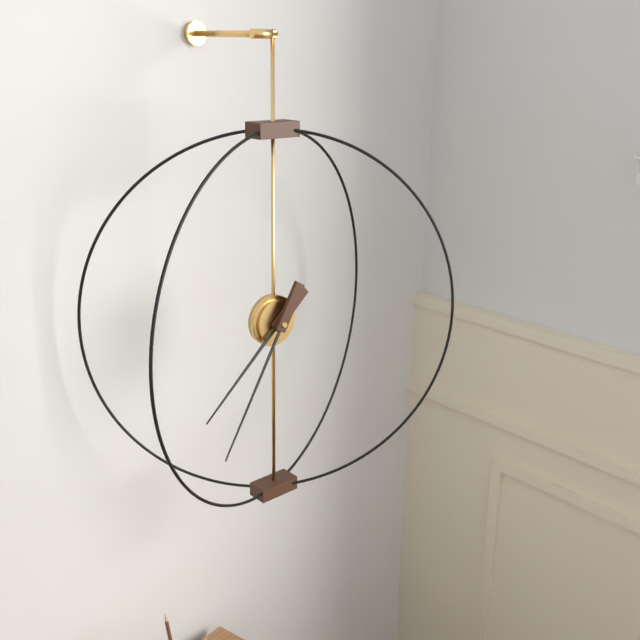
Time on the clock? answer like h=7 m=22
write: h=7 m=35
